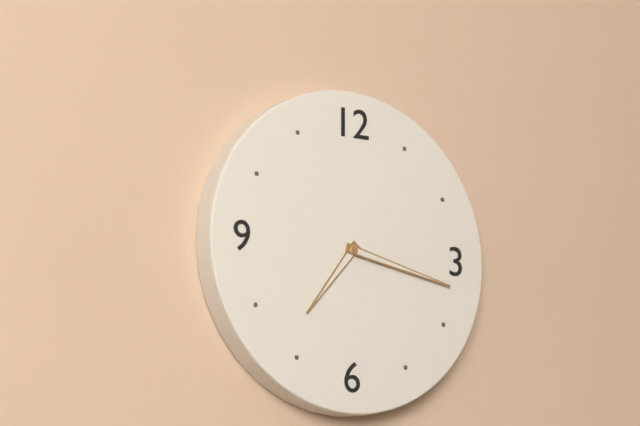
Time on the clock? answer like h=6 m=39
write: h=7 m=17
